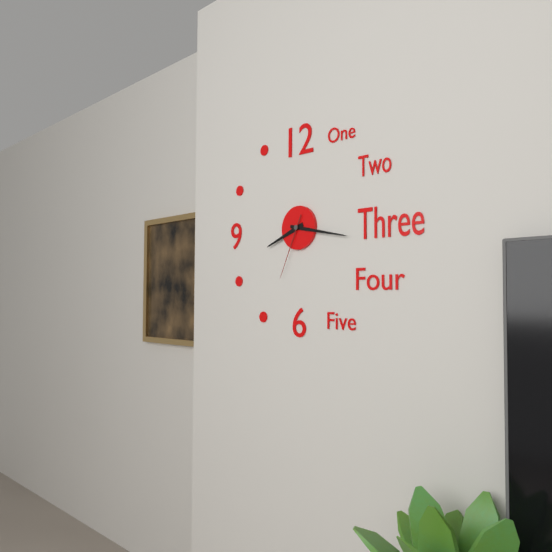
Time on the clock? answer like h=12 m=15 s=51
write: h=8 m=17 s=34
